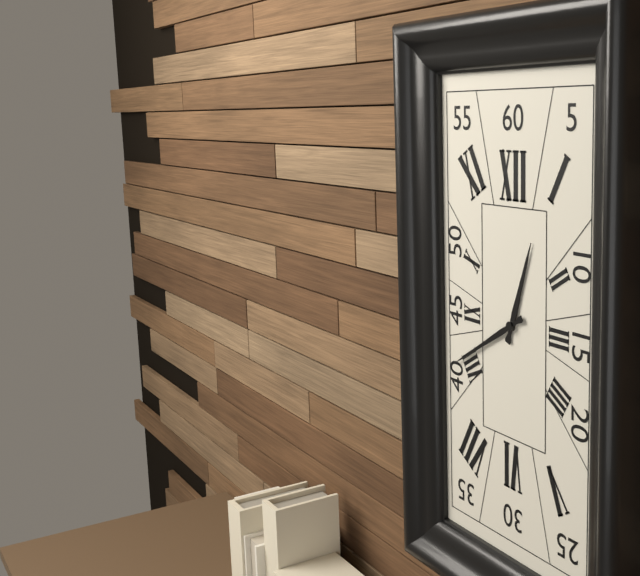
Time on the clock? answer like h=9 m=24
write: h=12 m=40
